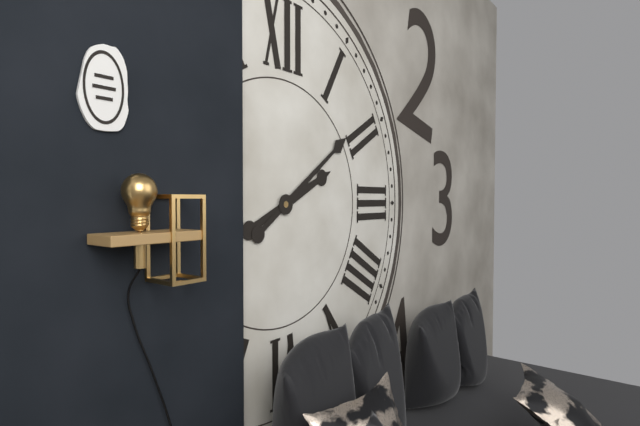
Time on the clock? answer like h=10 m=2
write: h=2 m=9
